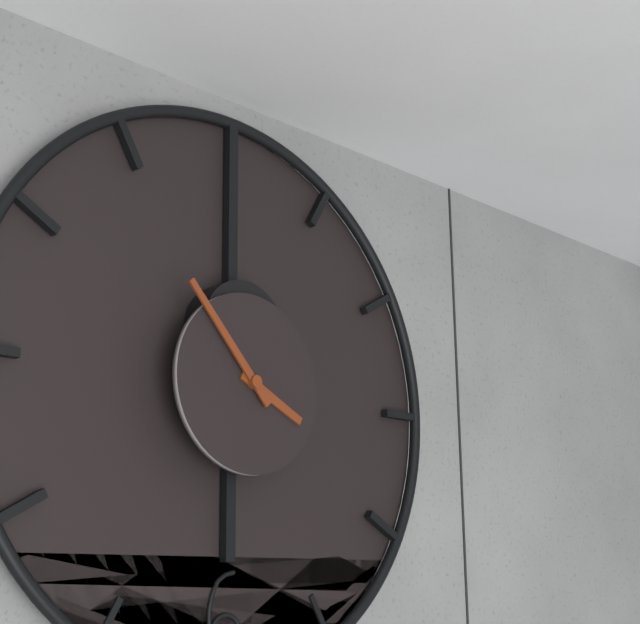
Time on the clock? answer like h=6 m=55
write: h=3 m=53
